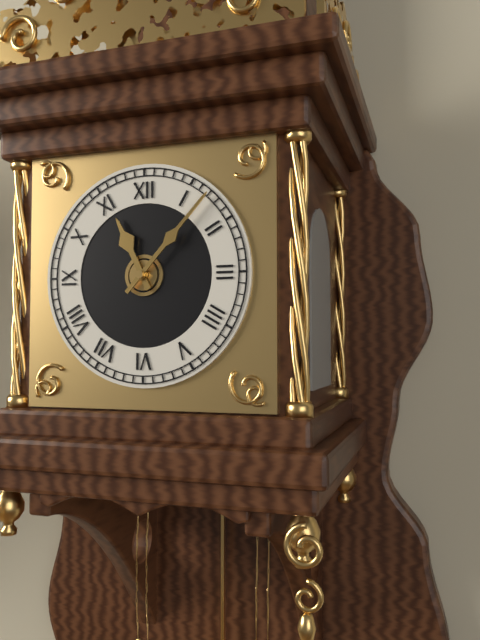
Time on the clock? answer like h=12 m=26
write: h=11 m=7
